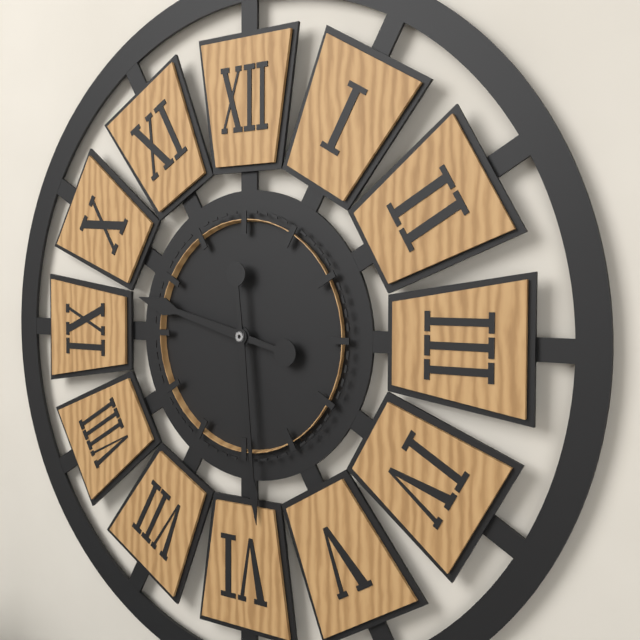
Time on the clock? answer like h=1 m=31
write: h=9 m=29
